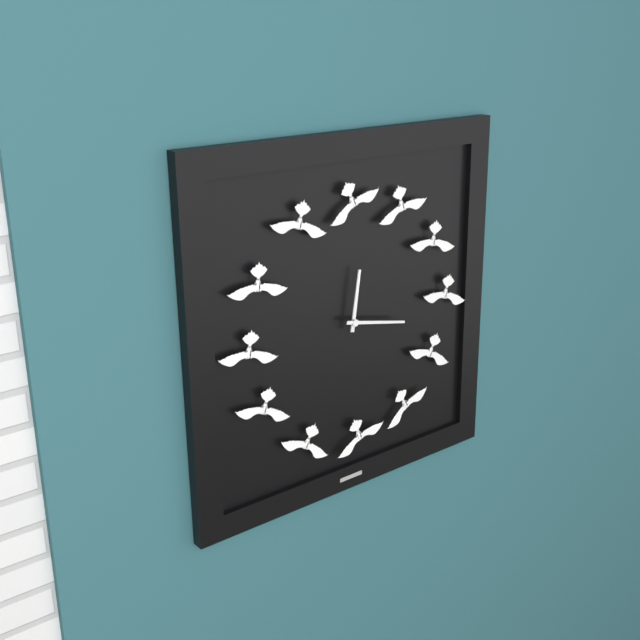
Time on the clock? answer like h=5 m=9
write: h=12 m=17
